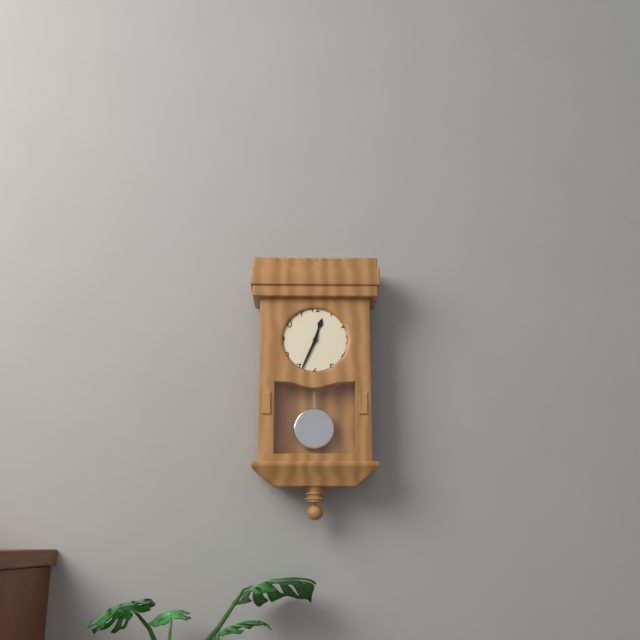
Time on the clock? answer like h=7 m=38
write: h=12 m=34
